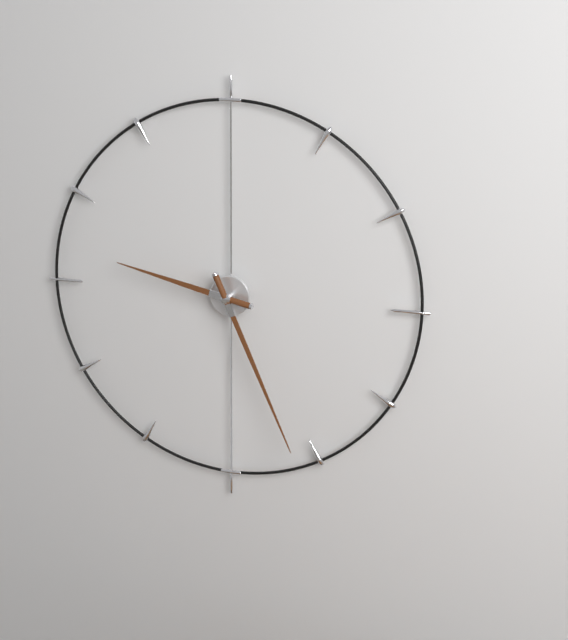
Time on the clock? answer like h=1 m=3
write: h=9 m=26
